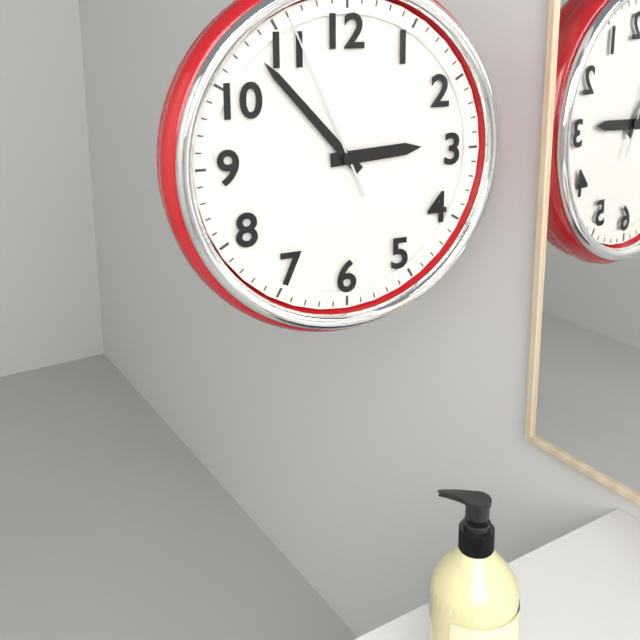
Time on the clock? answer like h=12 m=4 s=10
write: h=2 m=53 s=56
